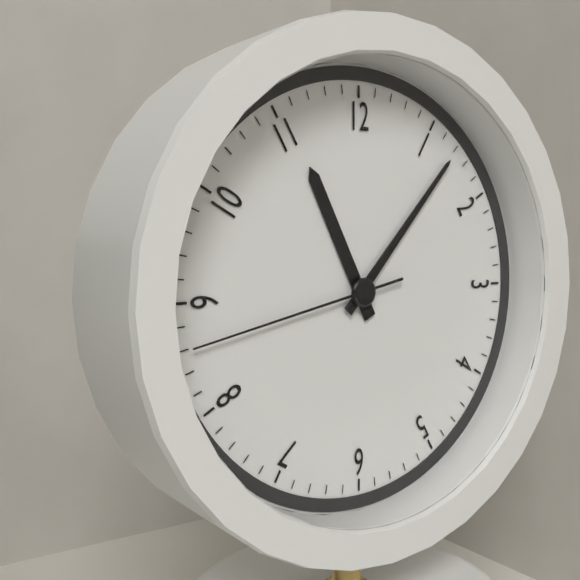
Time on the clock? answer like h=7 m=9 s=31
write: h=11 m=7 s=43
